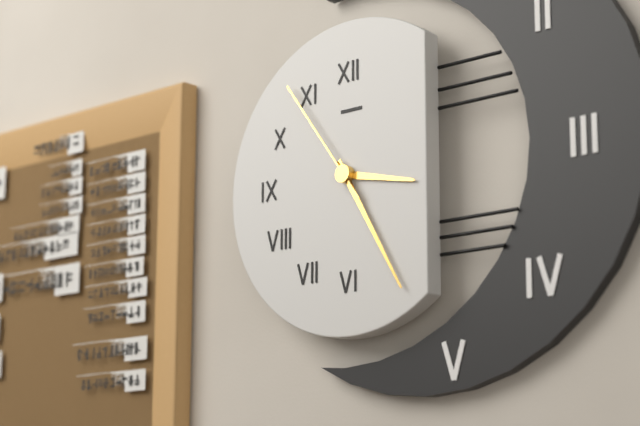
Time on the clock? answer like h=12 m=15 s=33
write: h=3 m=25 s=54
